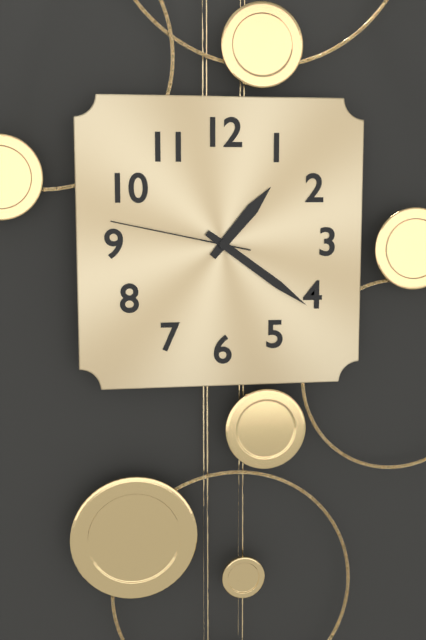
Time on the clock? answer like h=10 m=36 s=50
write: h=1 m=21 s=47
